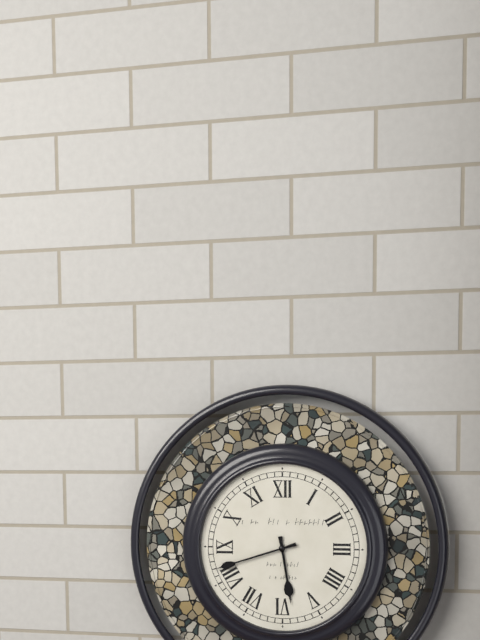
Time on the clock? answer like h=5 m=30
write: h=5 m=42
